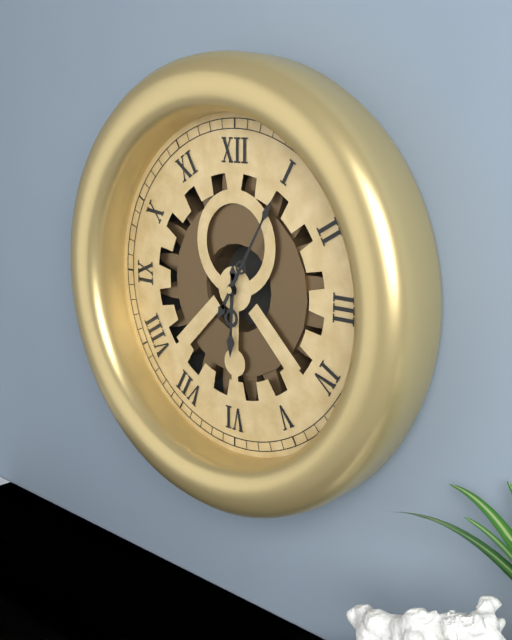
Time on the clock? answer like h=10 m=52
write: h=6 m=5
